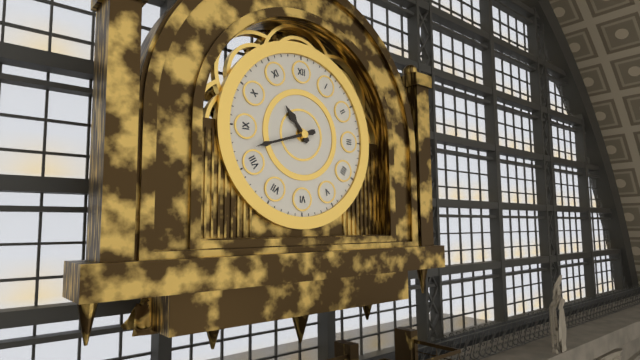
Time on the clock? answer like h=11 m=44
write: h=10 m=42
